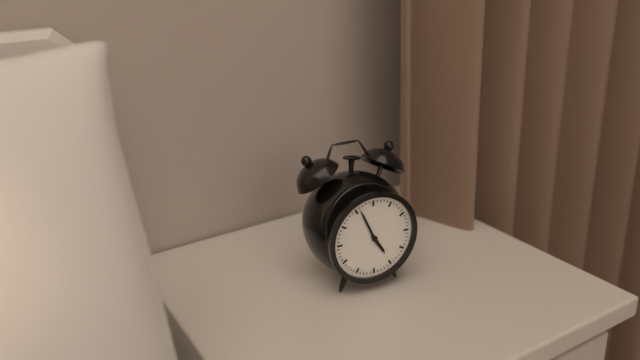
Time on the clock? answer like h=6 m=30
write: h=4 m=56
